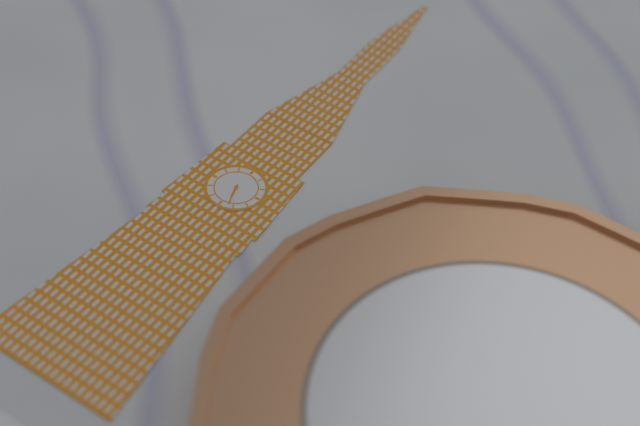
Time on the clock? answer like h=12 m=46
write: h=5 m=27
